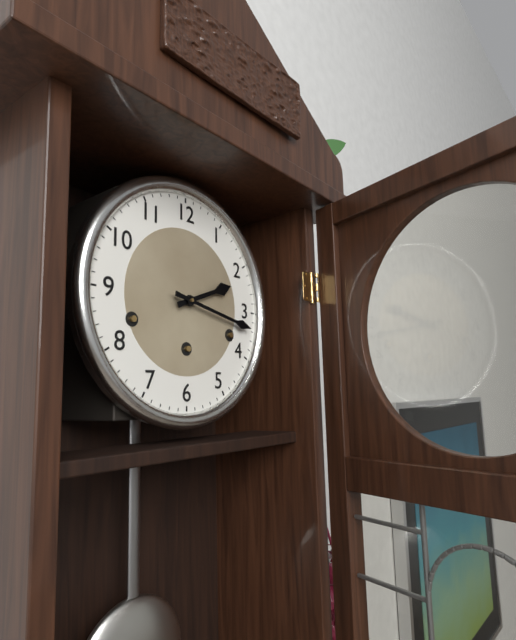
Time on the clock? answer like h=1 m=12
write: h=2 m=17
